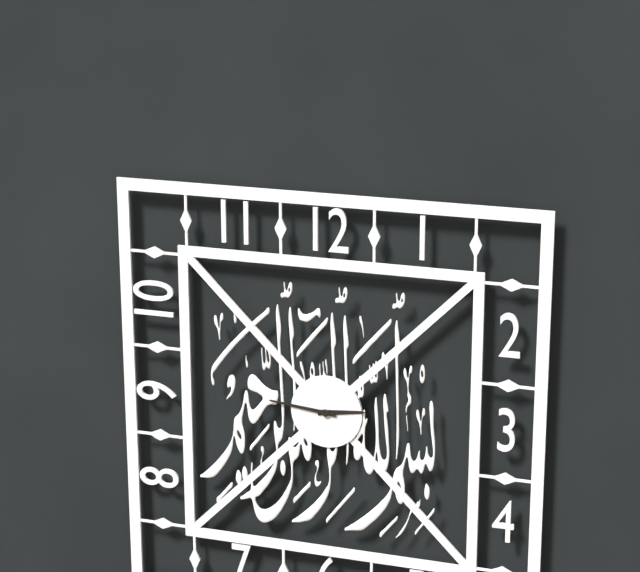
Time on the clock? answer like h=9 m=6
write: h=2 m=46
